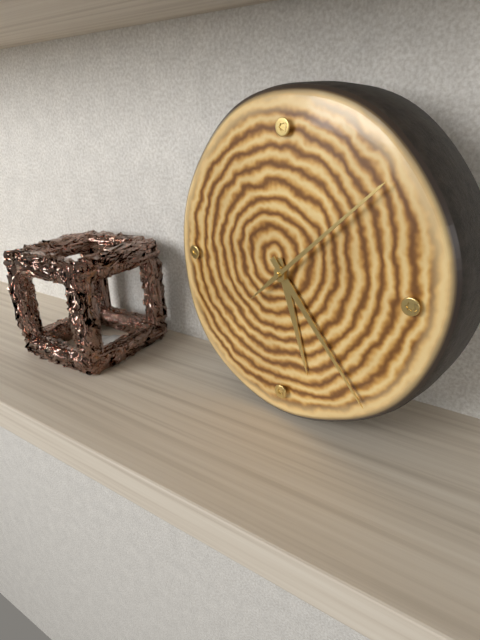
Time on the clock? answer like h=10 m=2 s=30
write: h=5 m=23 s=8
